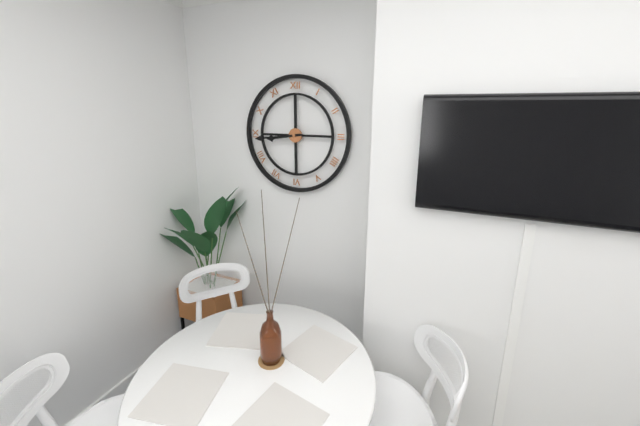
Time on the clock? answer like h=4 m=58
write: h=8 m=44
